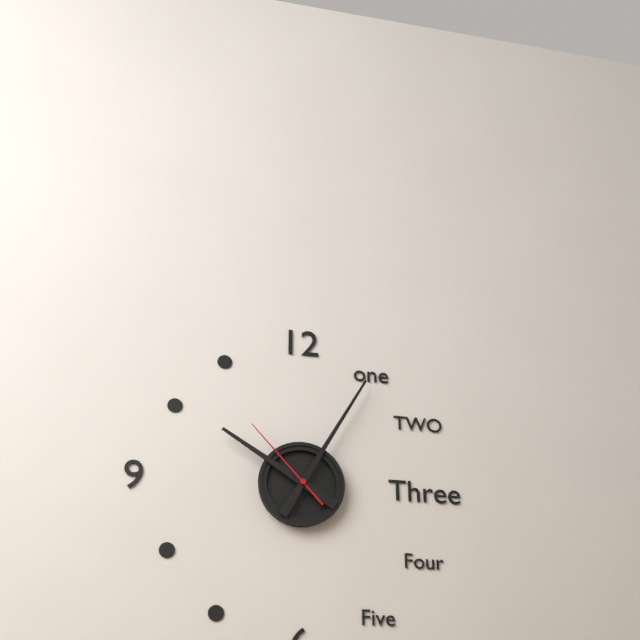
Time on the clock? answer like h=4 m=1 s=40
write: h=10 m=5 s=53
